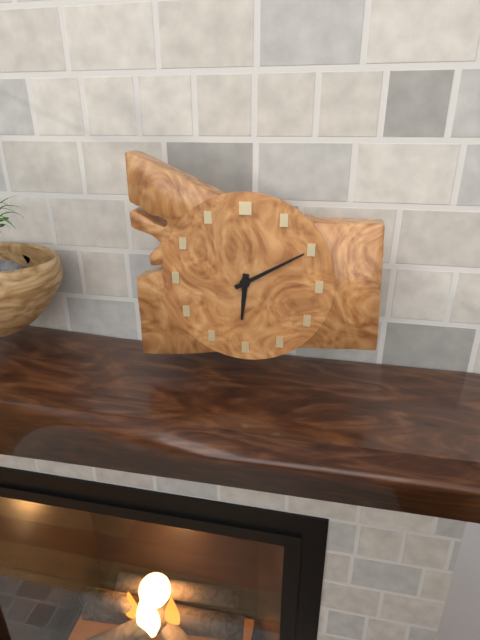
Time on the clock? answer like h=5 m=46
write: h=6 m=10
